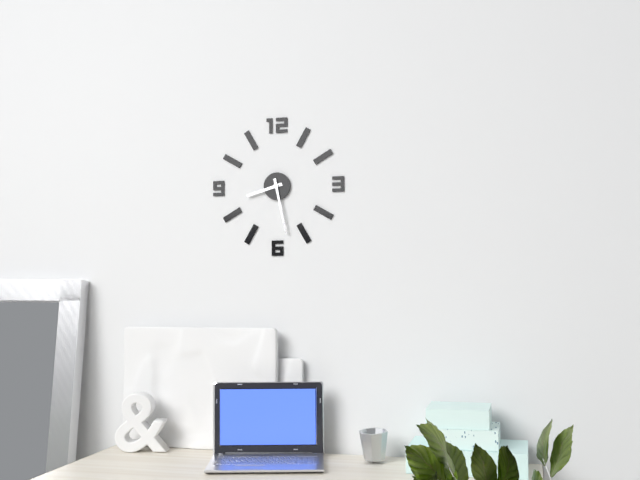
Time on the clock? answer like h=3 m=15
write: h=8 m=28
